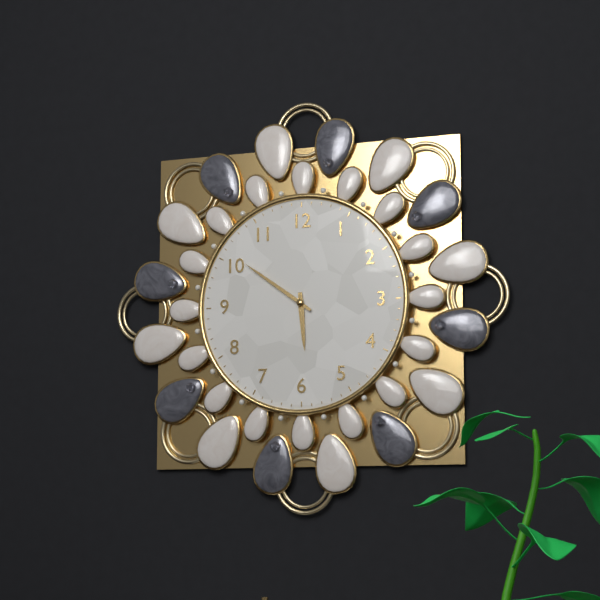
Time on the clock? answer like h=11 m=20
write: h=5 m=51
